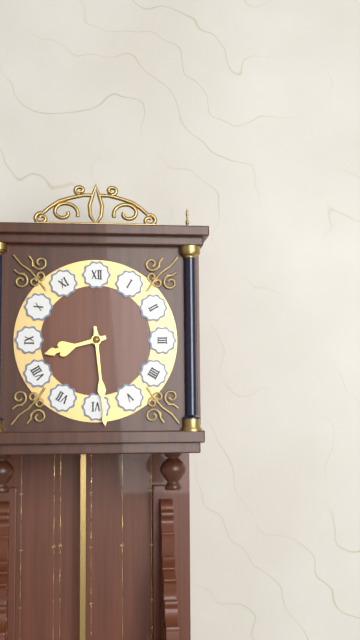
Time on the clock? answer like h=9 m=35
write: h=8 m=29
